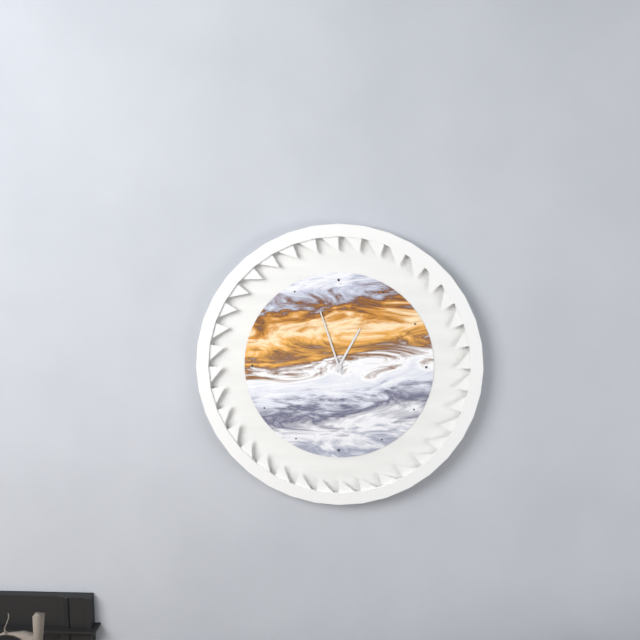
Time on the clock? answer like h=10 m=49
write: h=12 m=57
